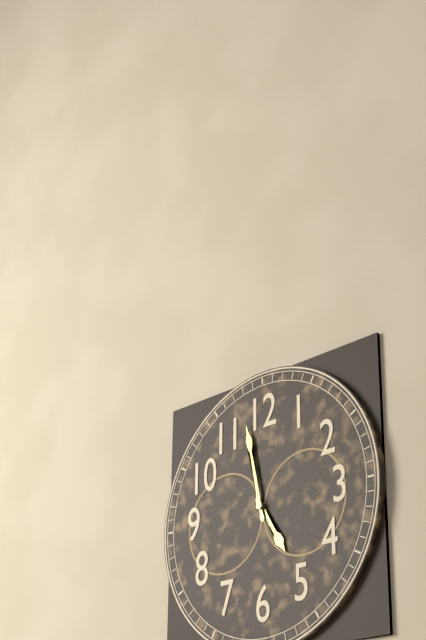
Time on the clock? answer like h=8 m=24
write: h=4 m=58
